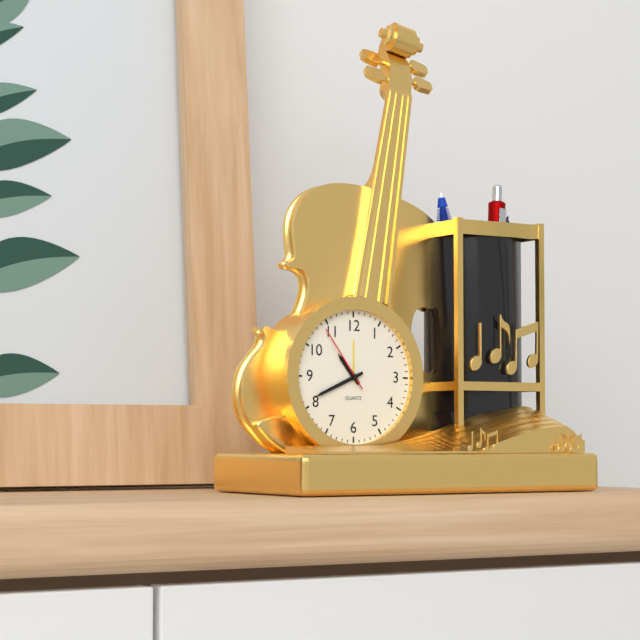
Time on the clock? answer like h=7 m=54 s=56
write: h=10 m=41 s=54
